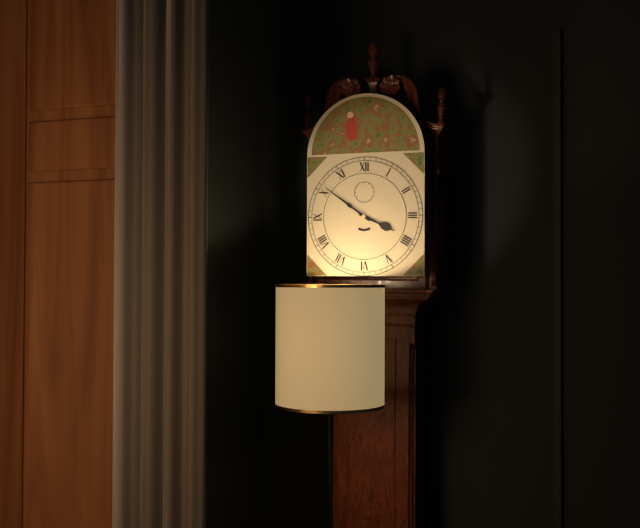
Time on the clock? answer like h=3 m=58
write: h=3 m=51
